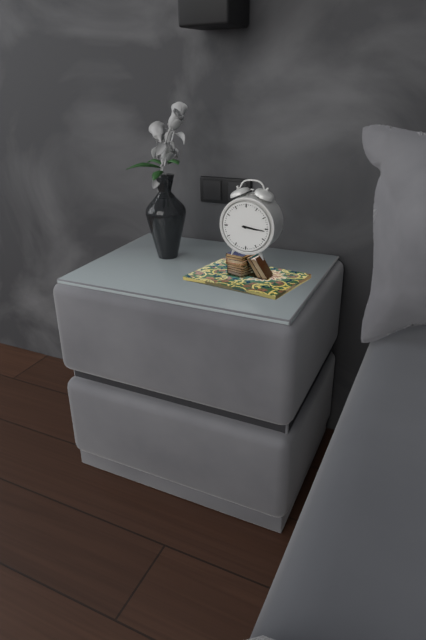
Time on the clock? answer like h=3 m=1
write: h=3 m=16
